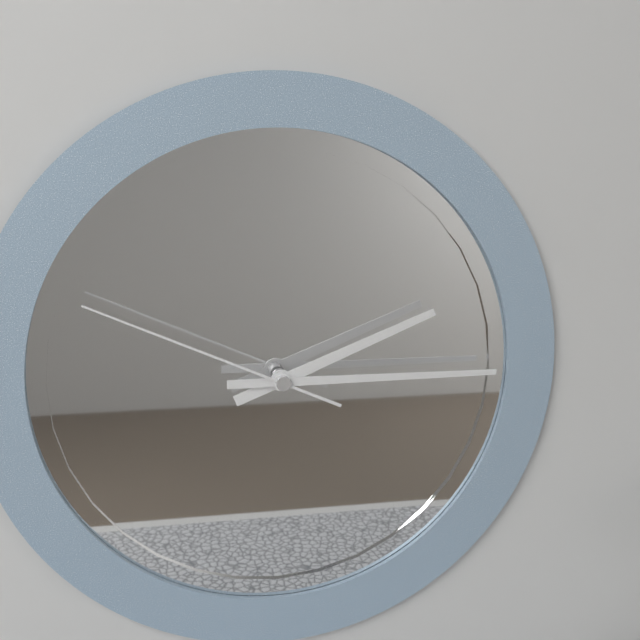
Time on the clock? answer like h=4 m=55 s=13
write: h=2 m=15 s=49
